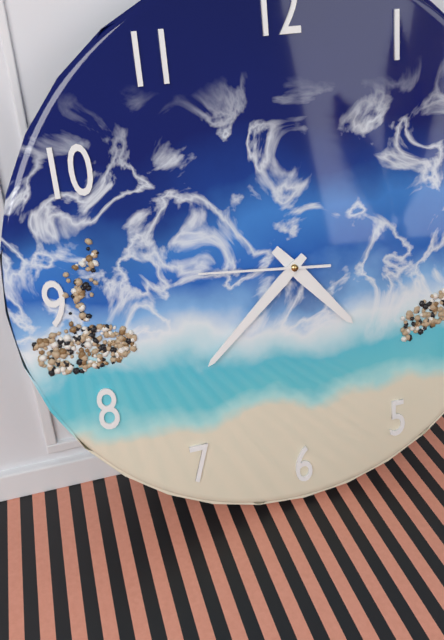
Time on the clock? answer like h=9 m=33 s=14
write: h=4 m=38 s=46
